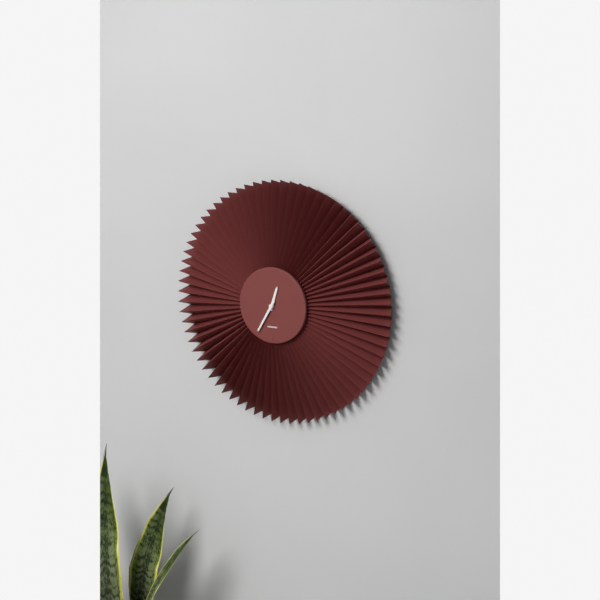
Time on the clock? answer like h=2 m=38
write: h=12 m=35
